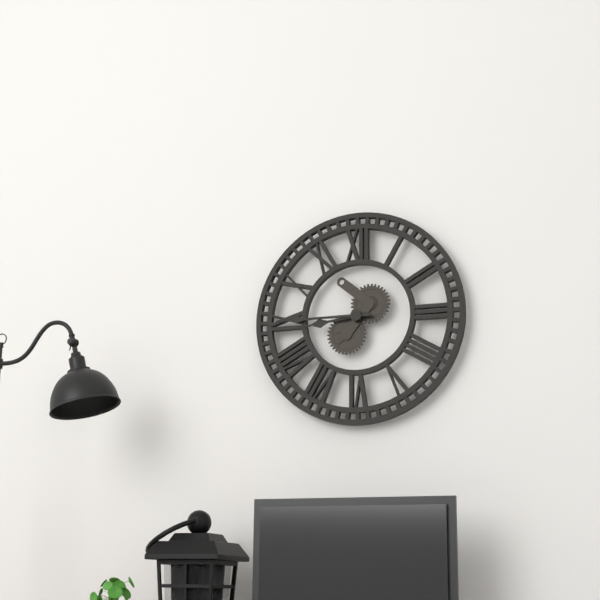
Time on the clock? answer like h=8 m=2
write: h=8 m=45
